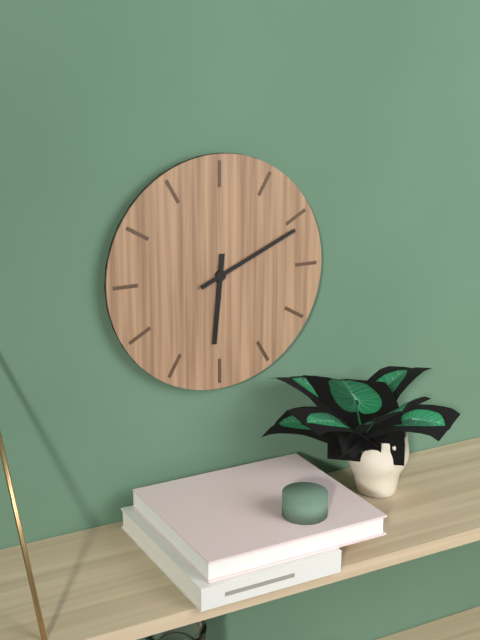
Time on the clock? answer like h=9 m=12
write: h=6 m=11
